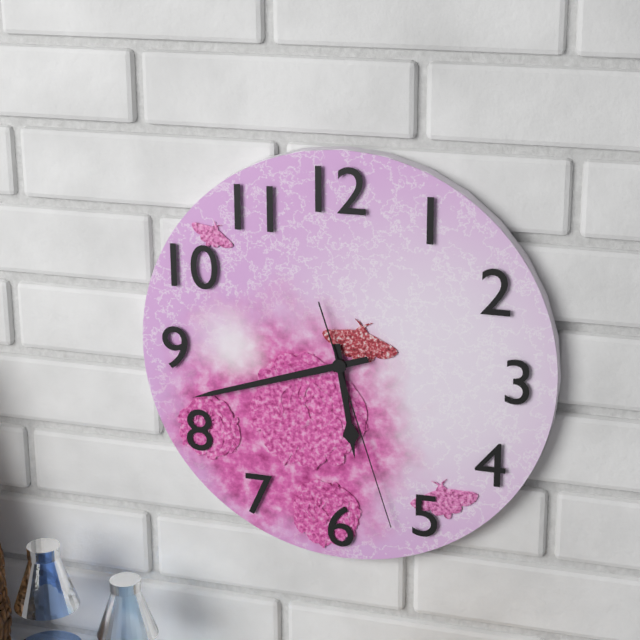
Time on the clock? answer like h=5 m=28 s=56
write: h=5 m=42 s=27
